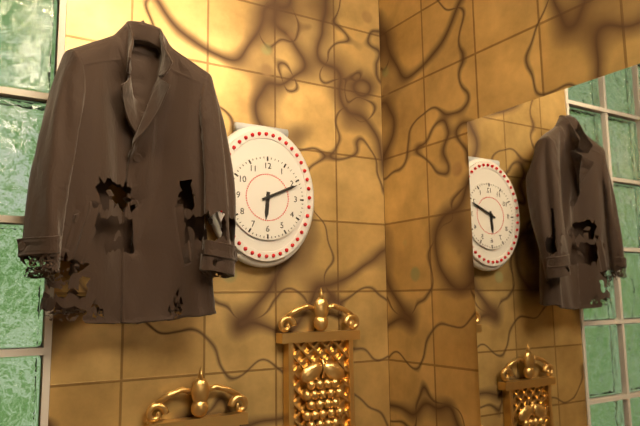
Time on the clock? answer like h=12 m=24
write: h=6 m=11
